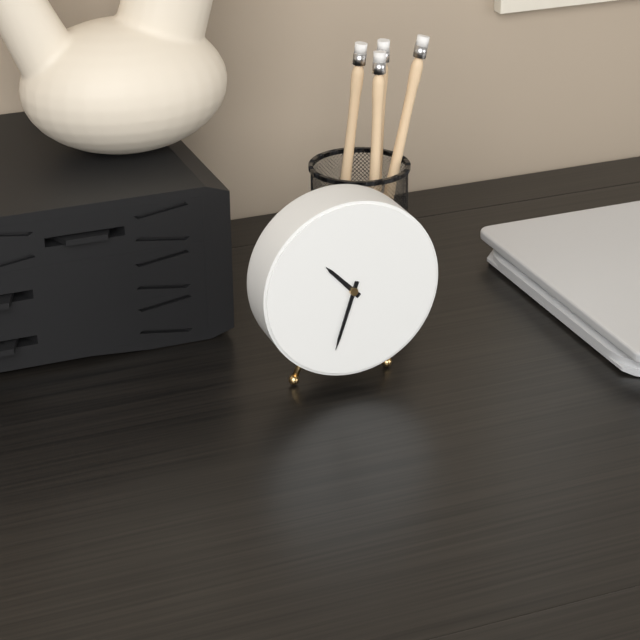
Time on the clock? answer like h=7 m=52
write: h=10 m=33
